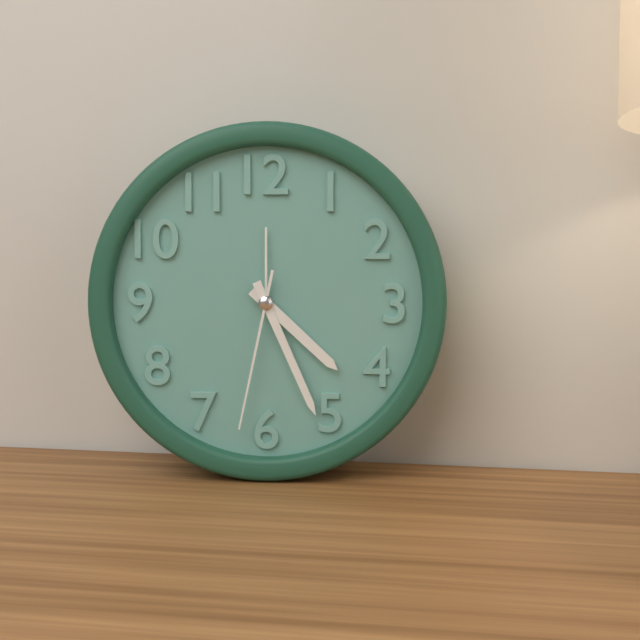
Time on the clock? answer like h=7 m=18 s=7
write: h=4 m=26 s=32
